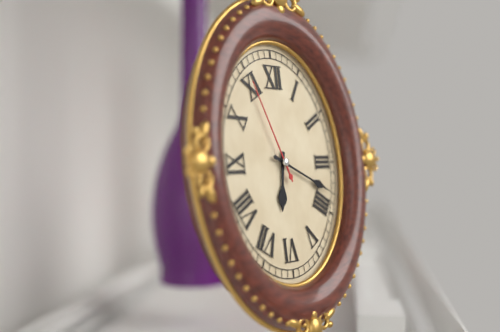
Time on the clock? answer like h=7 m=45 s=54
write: h=6 m=19 s=56
